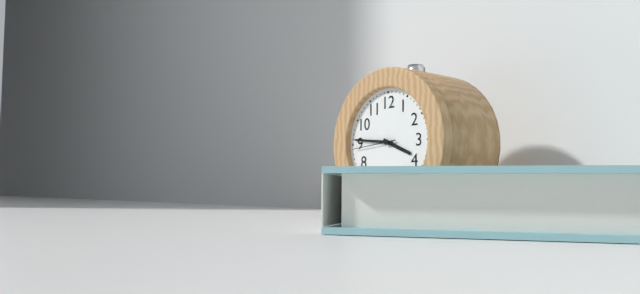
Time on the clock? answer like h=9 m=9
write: h=3 m=46
